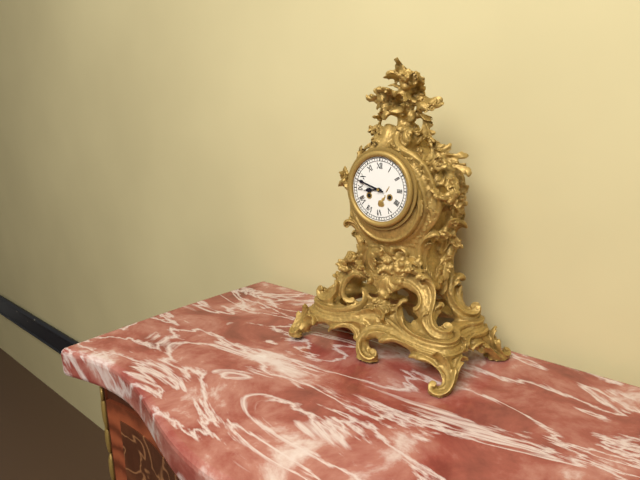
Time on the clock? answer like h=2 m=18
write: h=8 m=48
